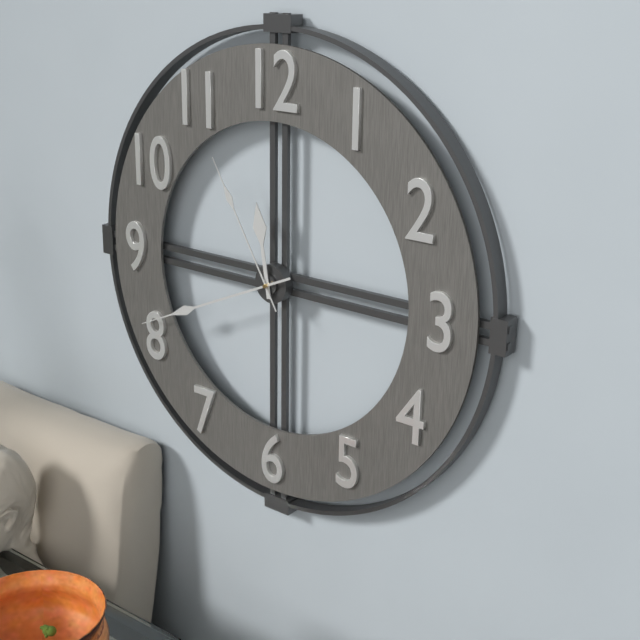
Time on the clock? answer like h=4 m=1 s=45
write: h=11 m=41 s=55
